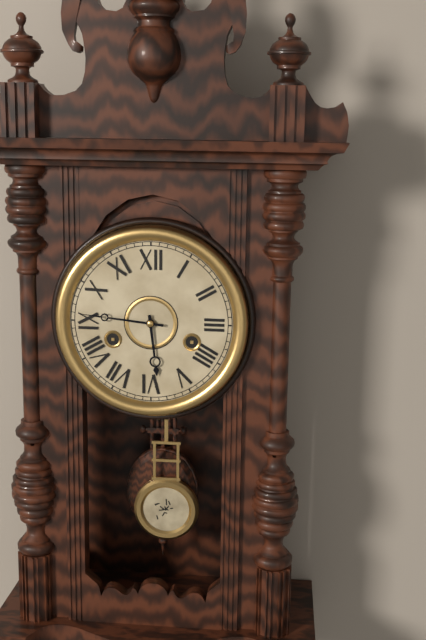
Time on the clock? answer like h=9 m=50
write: h=5 m=46
